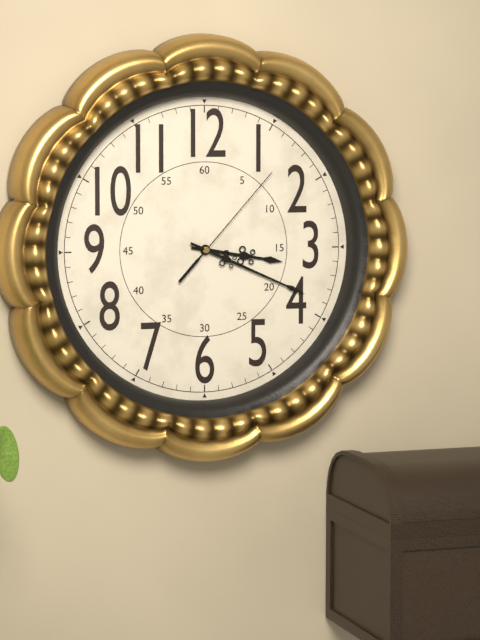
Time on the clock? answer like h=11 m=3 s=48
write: h=3 m=19 s=7
